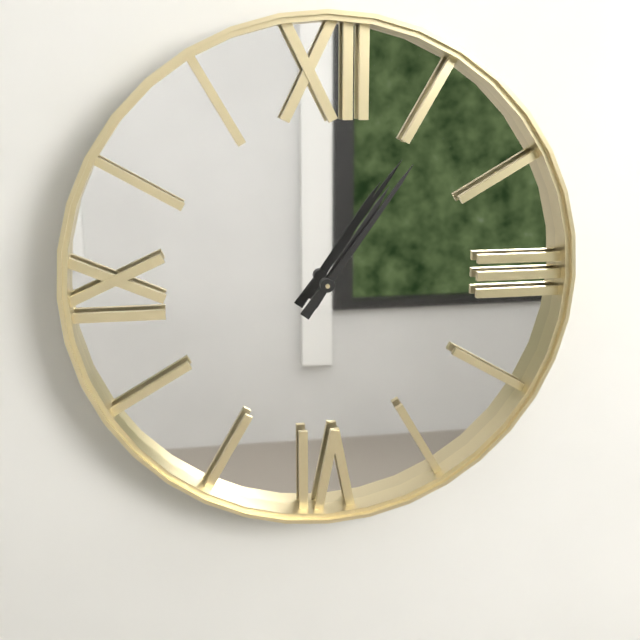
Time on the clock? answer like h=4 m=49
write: h=1 m=6
